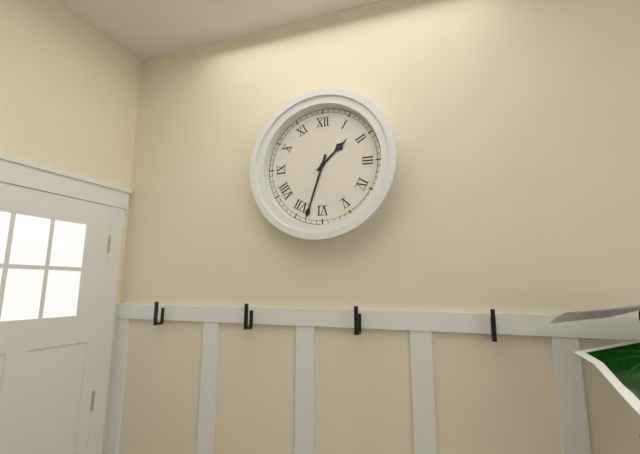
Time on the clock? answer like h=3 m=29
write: h=1 m=33
